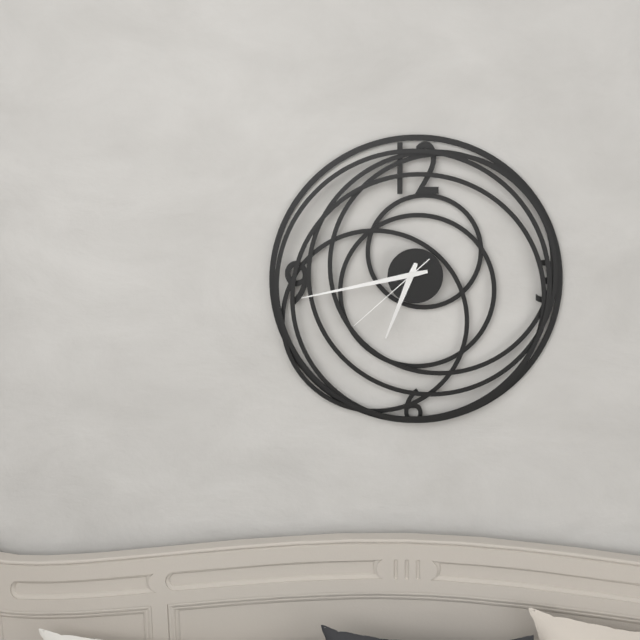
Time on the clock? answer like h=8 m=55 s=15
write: h=6 m=43 s=38
